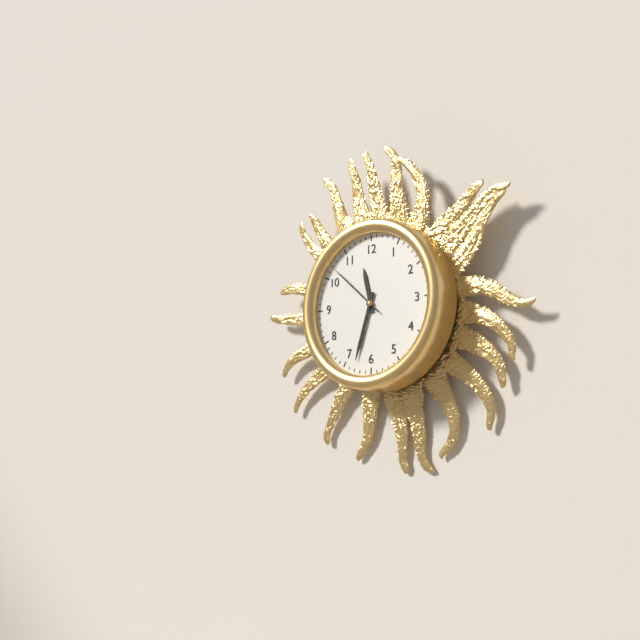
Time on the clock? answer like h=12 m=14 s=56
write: h=11 m=33 s=52
